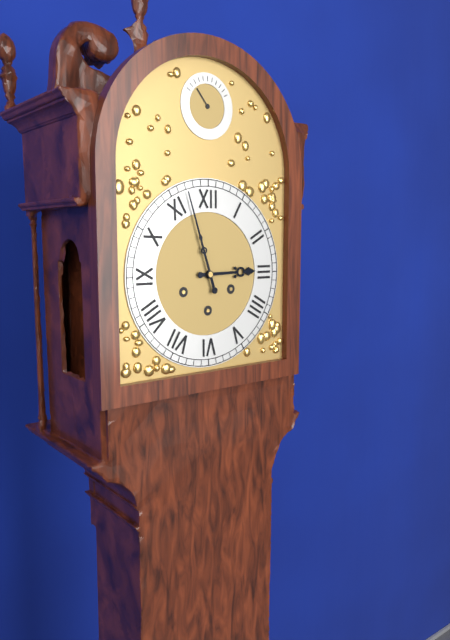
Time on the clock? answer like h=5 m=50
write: h=2 m=57
